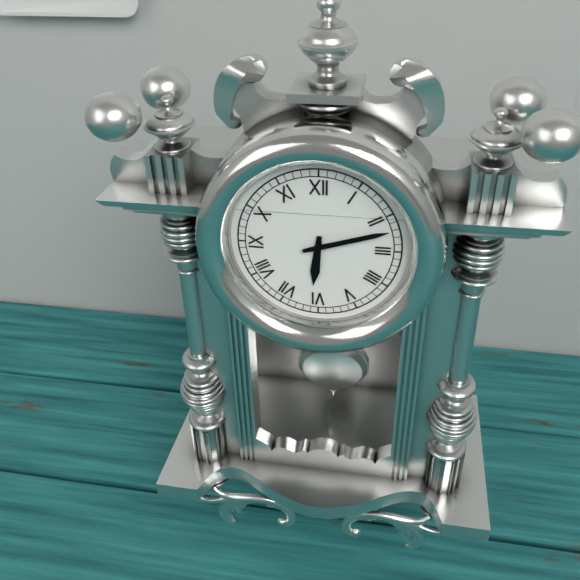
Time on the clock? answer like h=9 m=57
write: h=6 m=12
